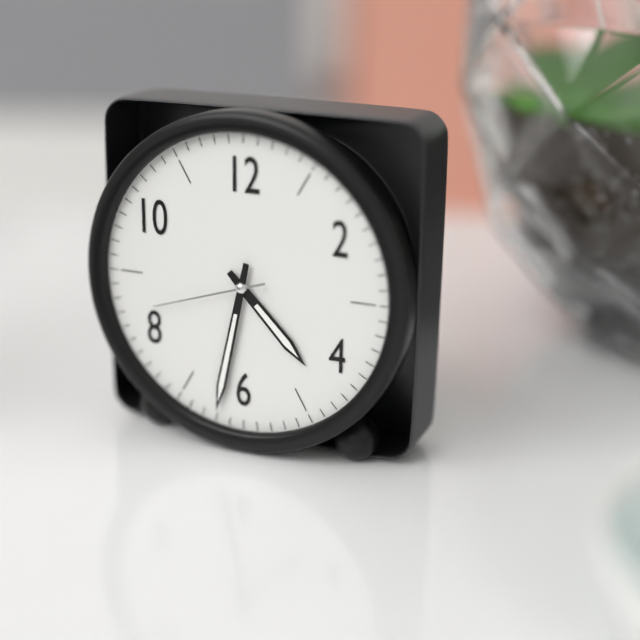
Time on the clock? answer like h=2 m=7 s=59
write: h=4 m=32 s=42
